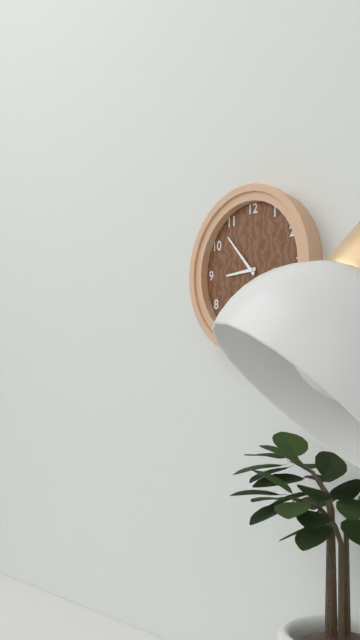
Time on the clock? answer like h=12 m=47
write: h=8 m=53
